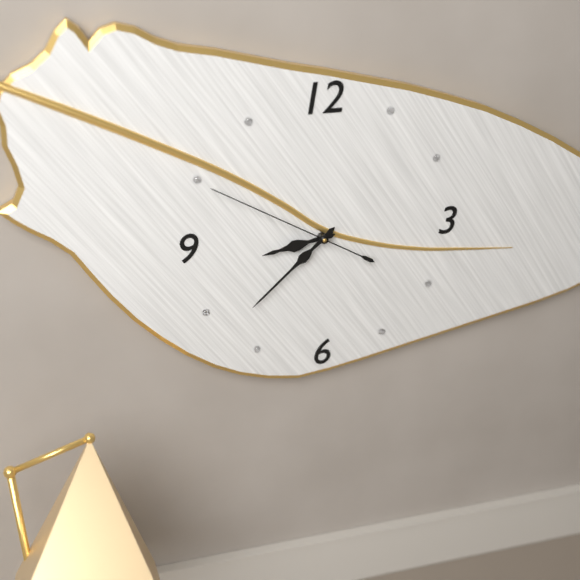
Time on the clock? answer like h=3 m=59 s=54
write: h=8 m=38 s=50
